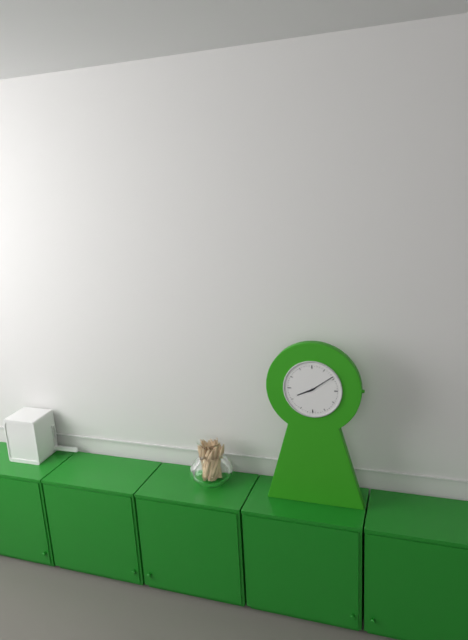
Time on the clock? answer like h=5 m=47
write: h=8 m=9
